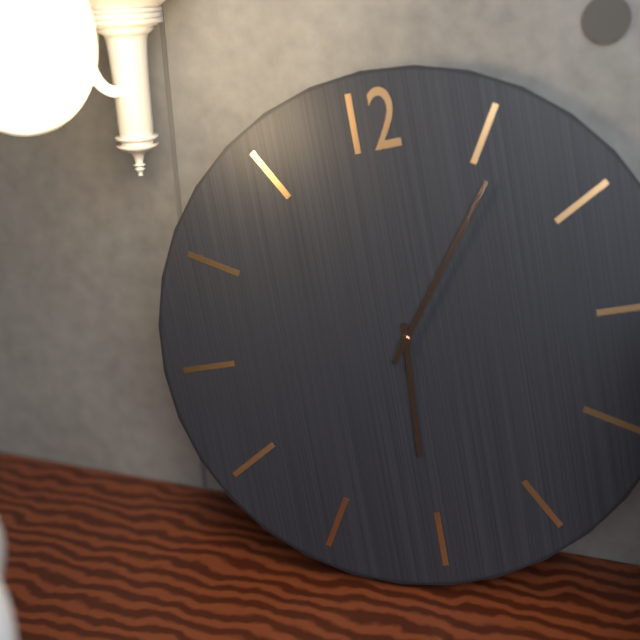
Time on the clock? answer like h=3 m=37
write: h=6 m=6
